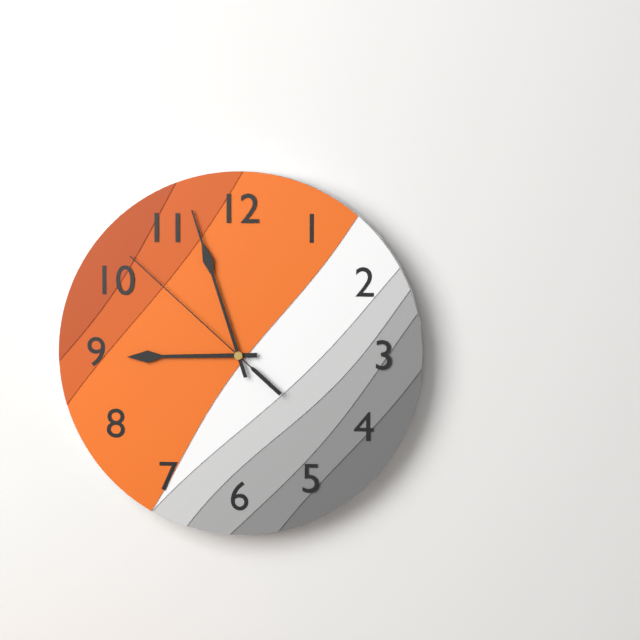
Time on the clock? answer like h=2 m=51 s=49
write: h=8 m=57 s=52
